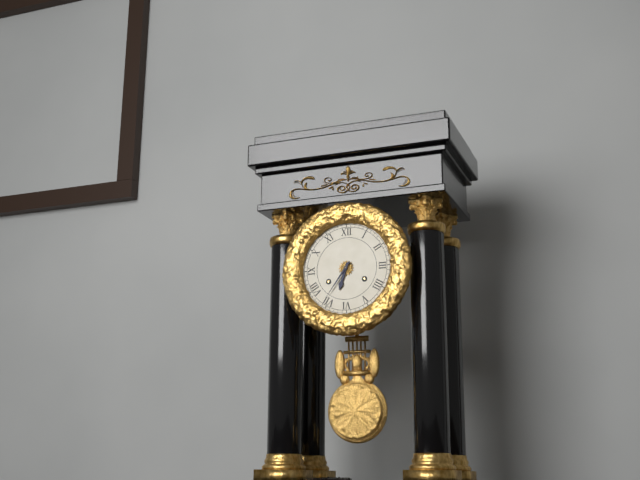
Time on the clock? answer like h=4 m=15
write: h=6 m=36
